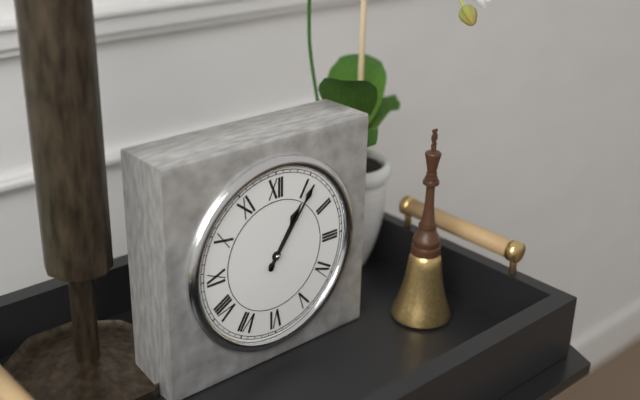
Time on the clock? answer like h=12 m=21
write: h=1 m=6
